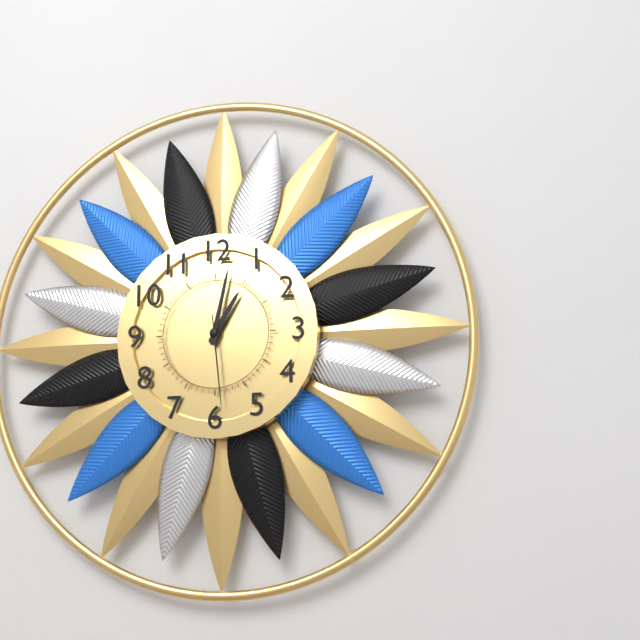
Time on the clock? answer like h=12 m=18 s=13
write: h=1 m=2 s=29
